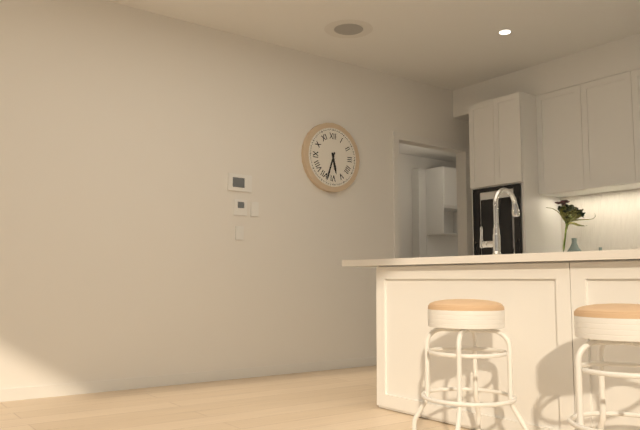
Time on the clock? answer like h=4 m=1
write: h=5 m=33
